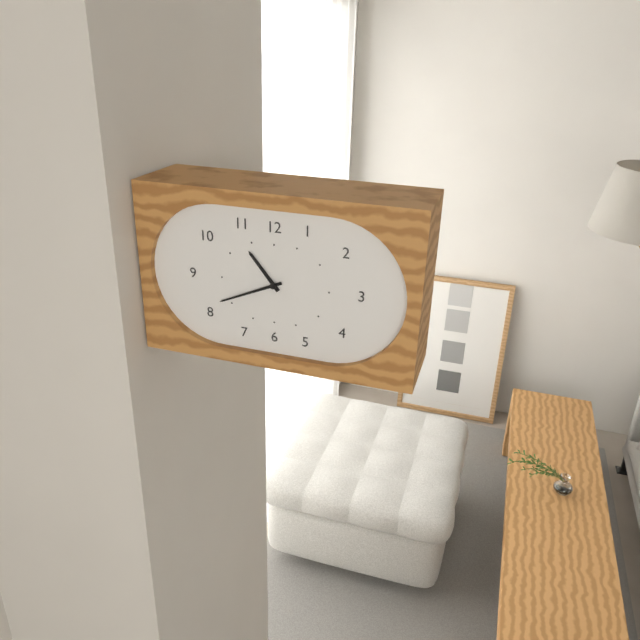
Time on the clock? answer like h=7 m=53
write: h=10 m=41
